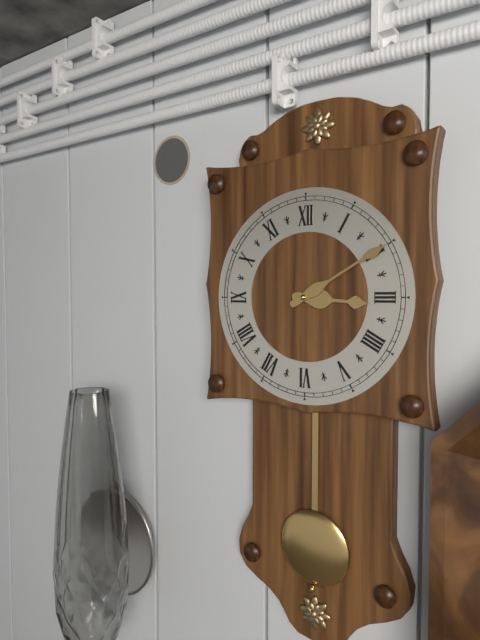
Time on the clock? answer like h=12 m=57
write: h=3 m=10
